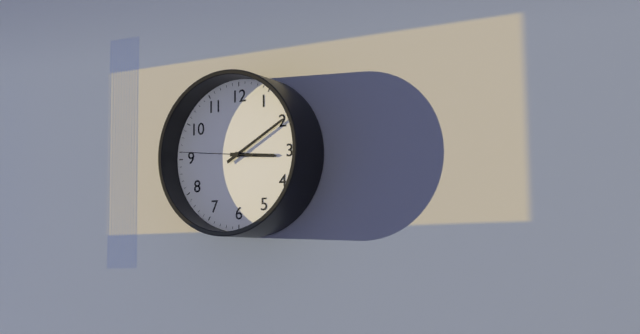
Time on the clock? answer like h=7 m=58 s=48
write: h=3 m=10 s=46
